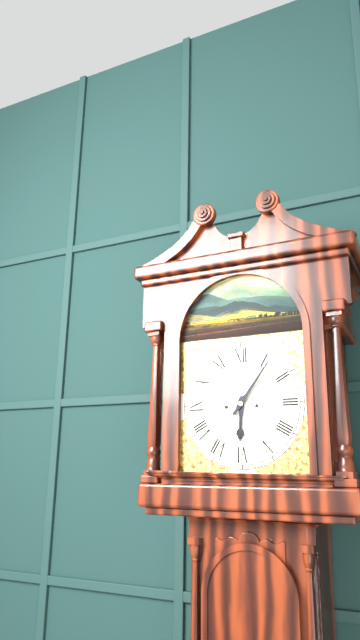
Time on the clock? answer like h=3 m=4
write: h=6 m=6
